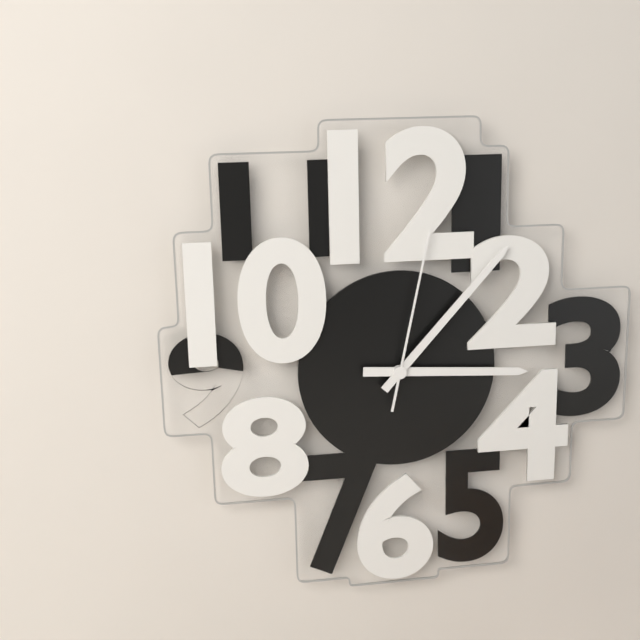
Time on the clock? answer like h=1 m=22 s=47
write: h=3 m=7 s=2
